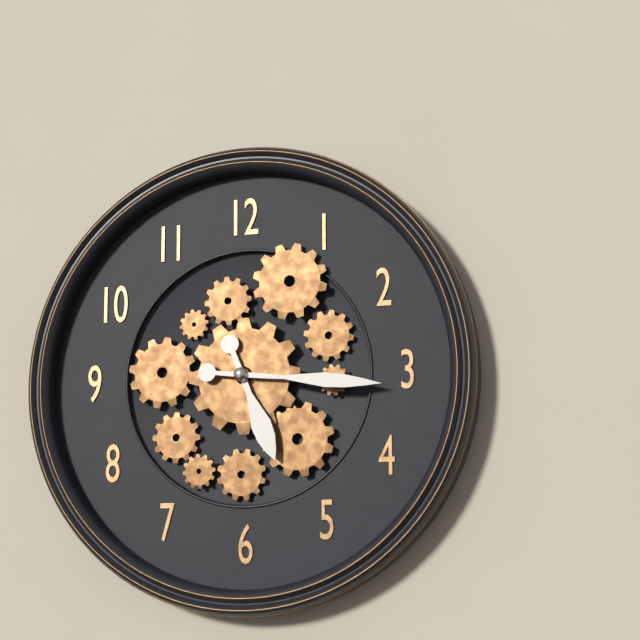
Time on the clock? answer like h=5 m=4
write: h=5 m=16
